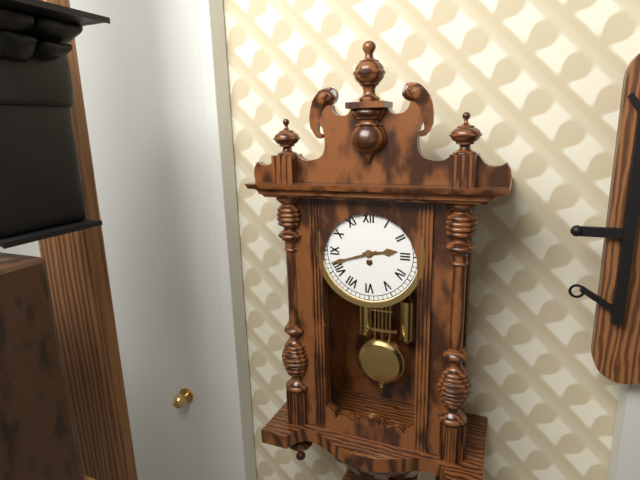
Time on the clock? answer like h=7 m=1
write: h=2 m=42
